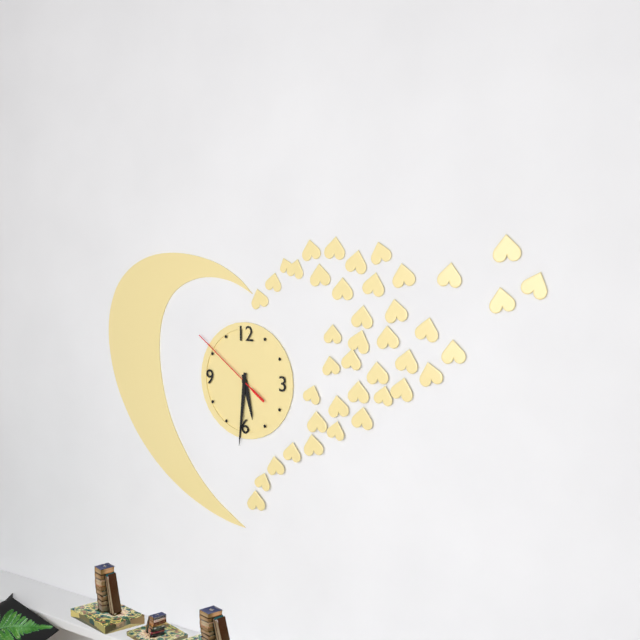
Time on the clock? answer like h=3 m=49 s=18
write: h=5 m=31 s=51
